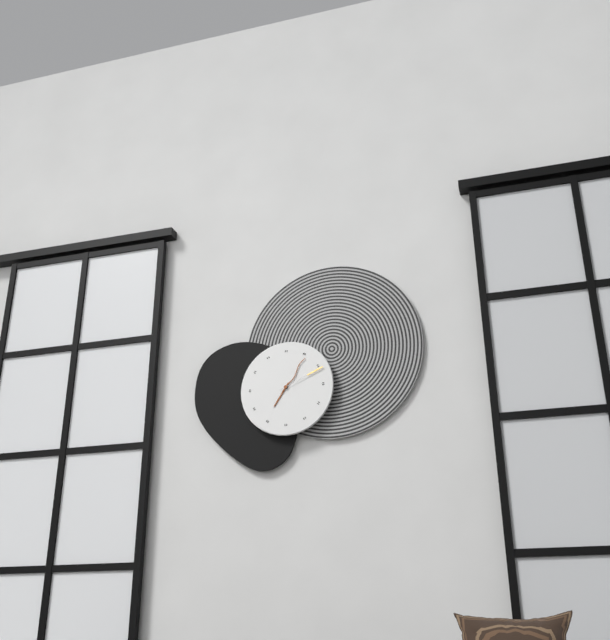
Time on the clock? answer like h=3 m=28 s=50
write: h=7 m=6 s=11
